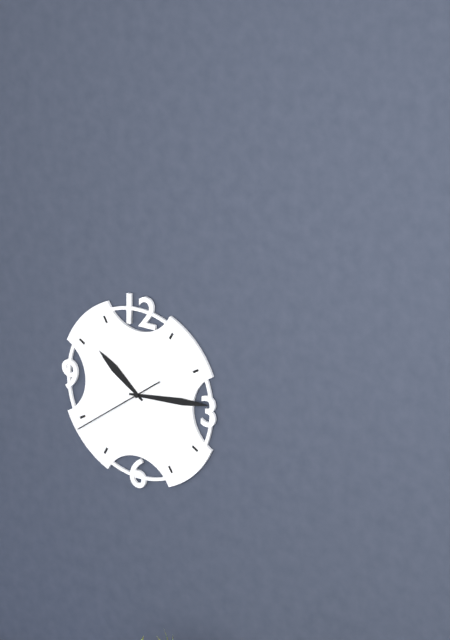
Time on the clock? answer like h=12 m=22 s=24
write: h=10 m=14 s=39
